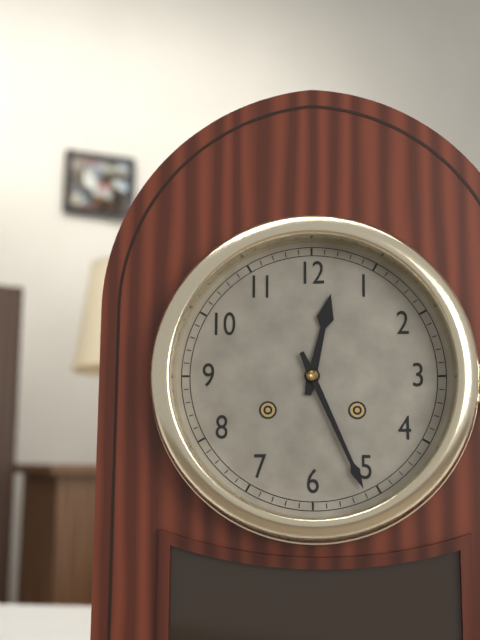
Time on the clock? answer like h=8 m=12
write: h=12 m=26
